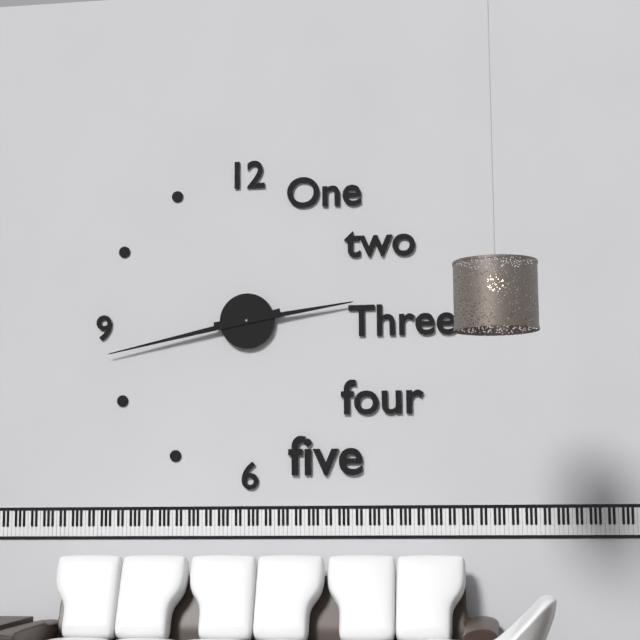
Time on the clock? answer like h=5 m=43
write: h=2 m=43
